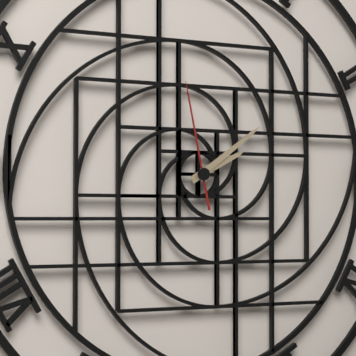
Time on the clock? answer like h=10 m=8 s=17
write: h=2 m=9 s=58
